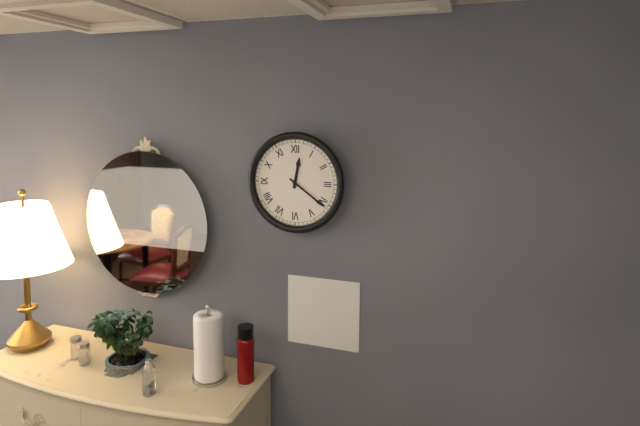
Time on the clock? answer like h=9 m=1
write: h=12 m=21
